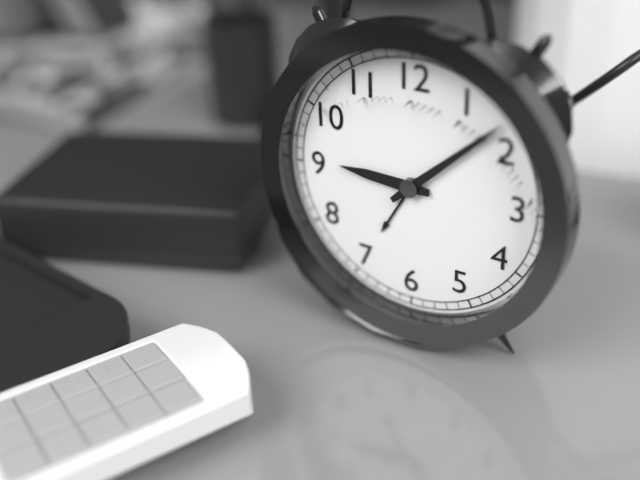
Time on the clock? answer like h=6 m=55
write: h=9 m=8
